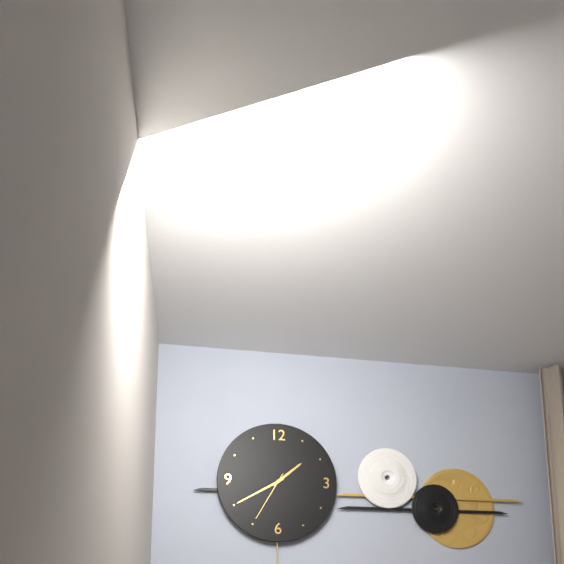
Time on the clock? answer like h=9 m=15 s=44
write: h=1 m=40 s=35
